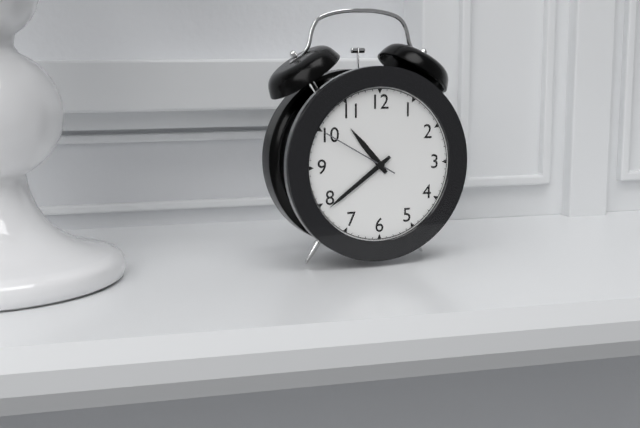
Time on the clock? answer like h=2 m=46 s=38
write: h=10 m=39 s=50
